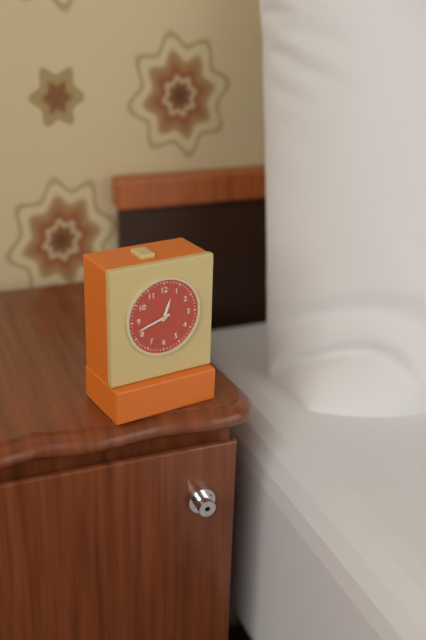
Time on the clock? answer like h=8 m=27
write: h=12 m=42
